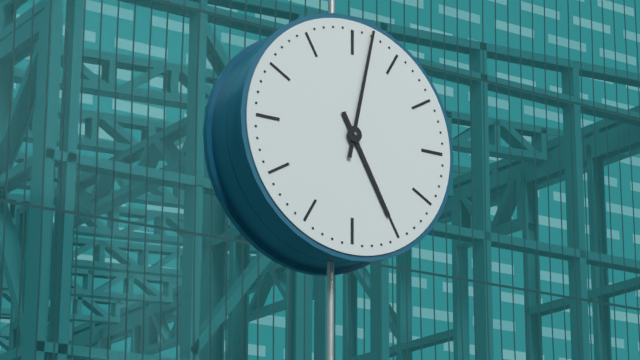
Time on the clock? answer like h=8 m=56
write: h=5 m=2
